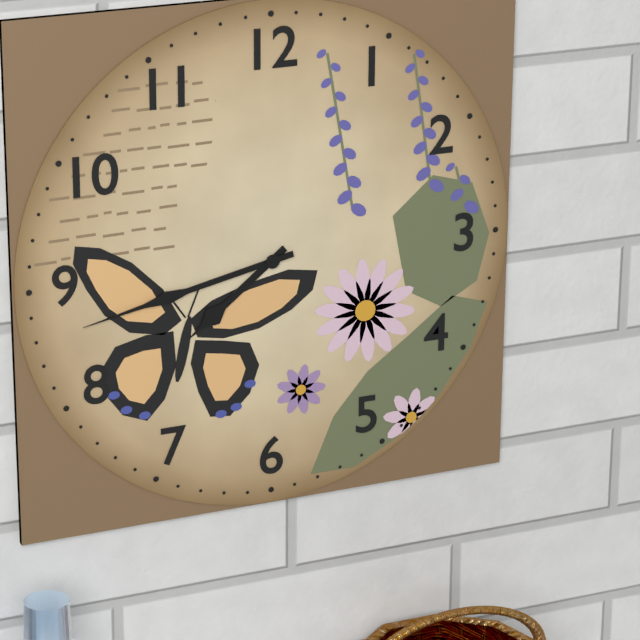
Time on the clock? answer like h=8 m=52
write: h=7 m=43
